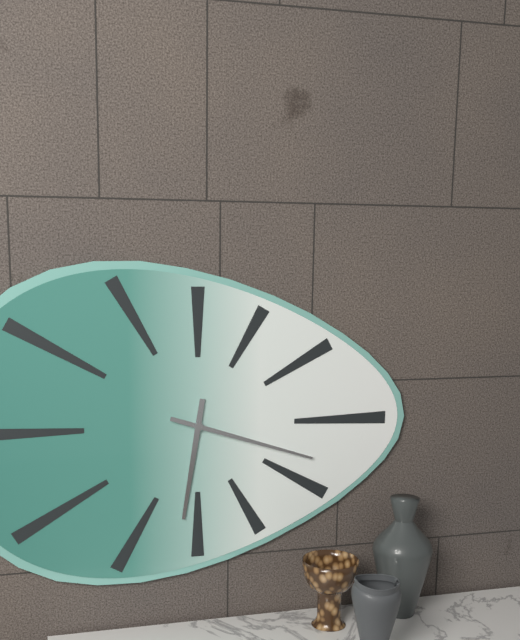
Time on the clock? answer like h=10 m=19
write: h=6 m=18
